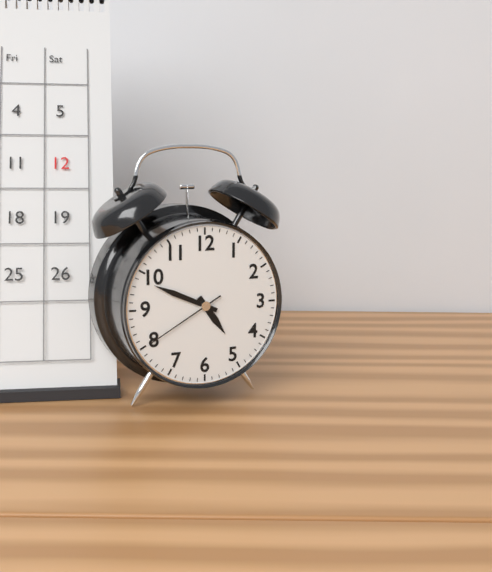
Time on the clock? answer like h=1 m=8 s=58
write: h=4 m=49 s=40
